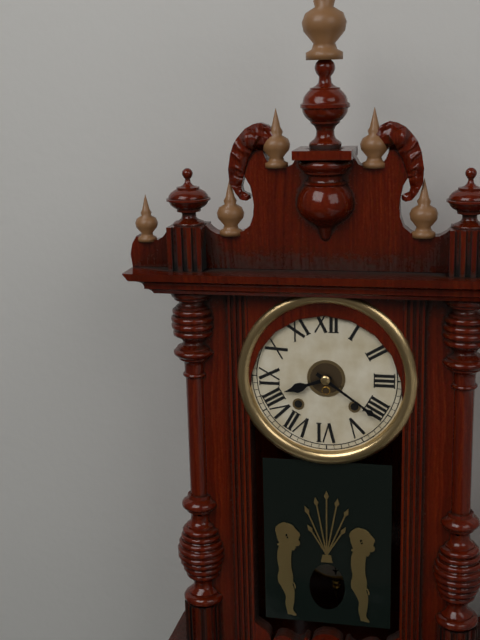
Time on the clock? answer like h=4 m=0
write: h=8 m=21
